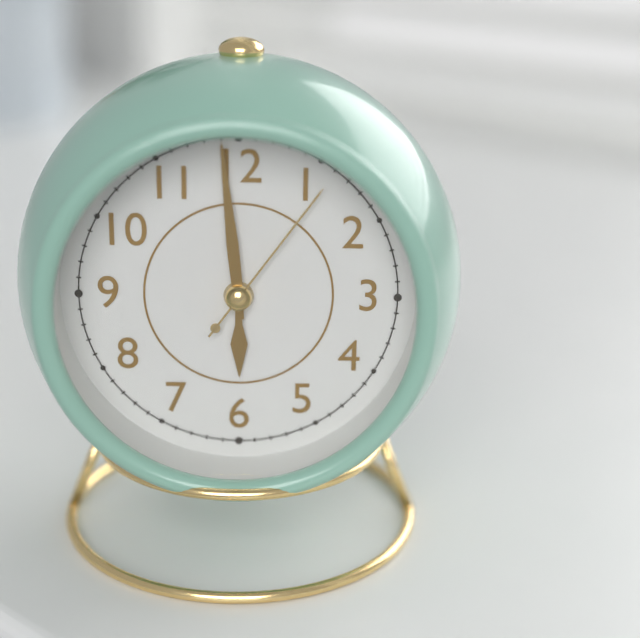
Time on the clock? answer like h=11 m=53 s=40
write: h=5 m=59 s=6
